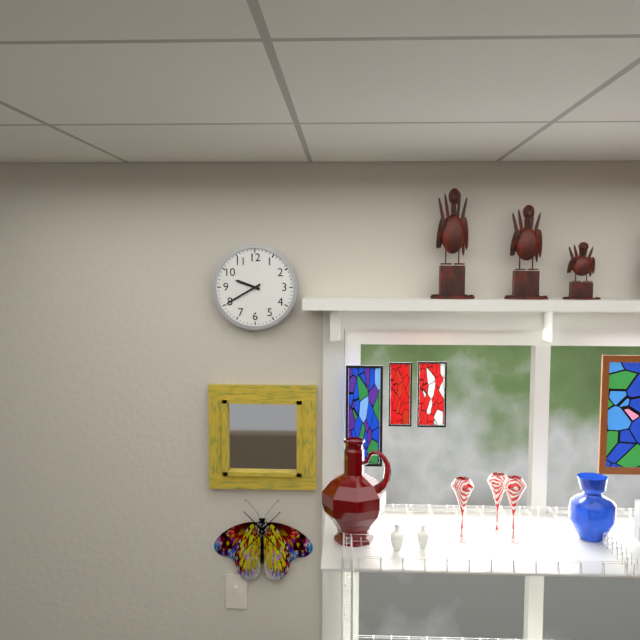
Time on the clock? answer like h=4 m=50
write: h=9 m=40
